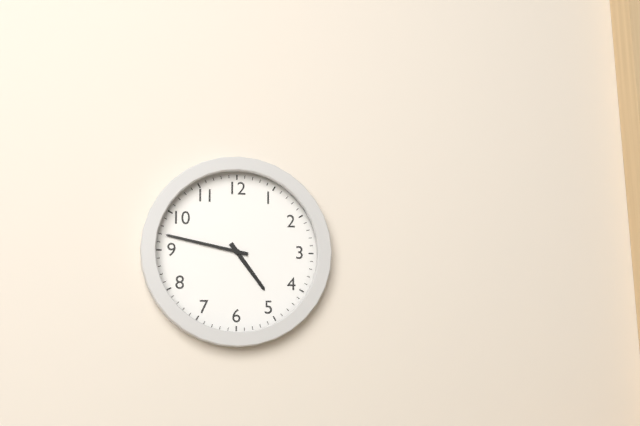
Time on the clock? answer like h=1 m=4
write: h=4 m=47
